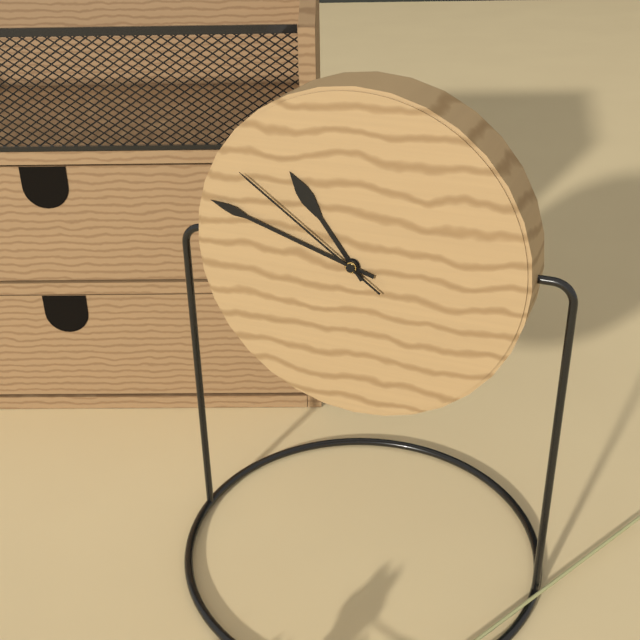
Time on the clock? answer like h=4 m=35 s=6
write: h=10 m=48 s=51
